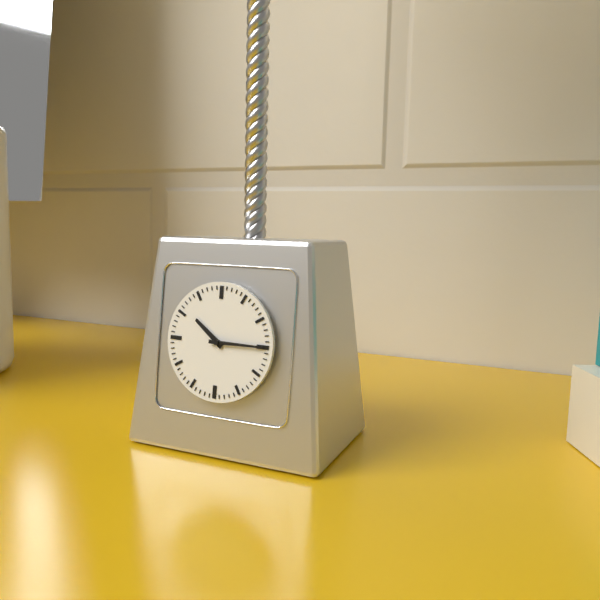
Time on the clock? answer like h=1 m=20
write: h=10 m=15
